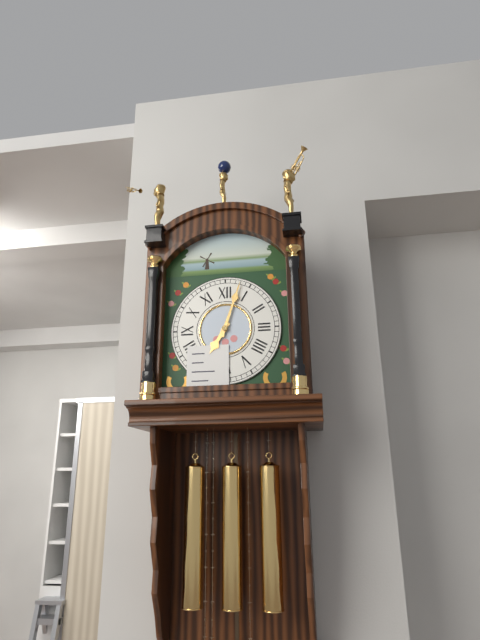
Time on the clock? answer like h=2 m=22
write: h=7 m=3
